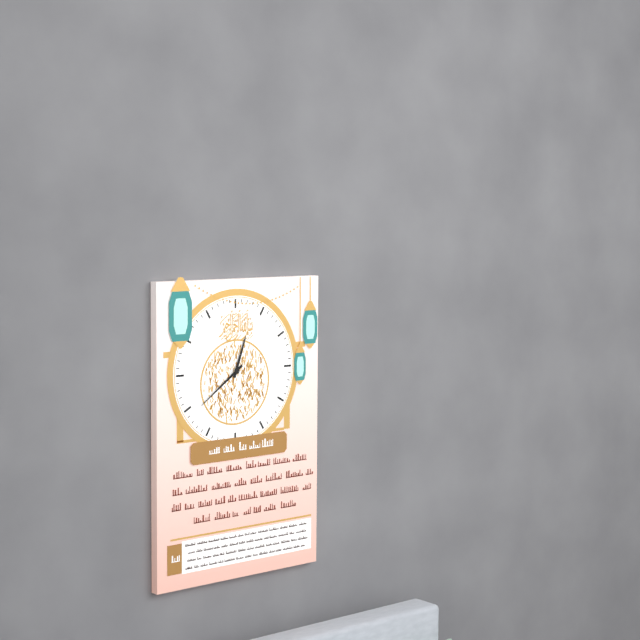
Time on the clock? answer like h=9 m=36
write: h=12 m=39
